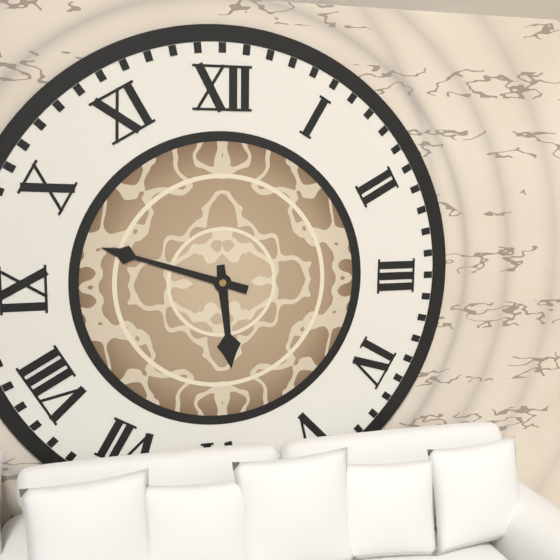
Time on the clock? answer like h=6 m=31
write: h=5 m=48
